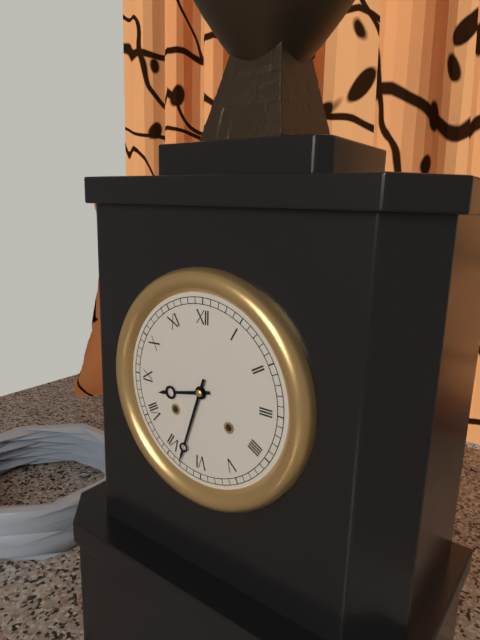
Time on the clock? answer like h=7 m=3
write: h=8 m=33
